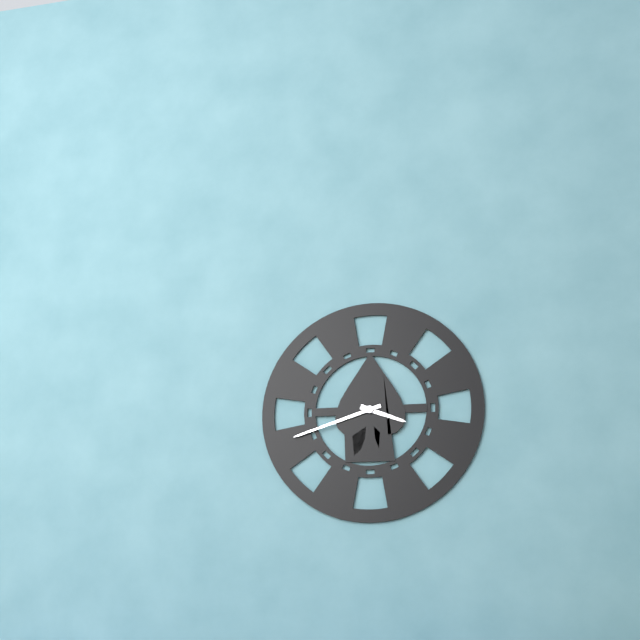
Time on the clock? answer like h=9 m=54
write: h=3 m=42
